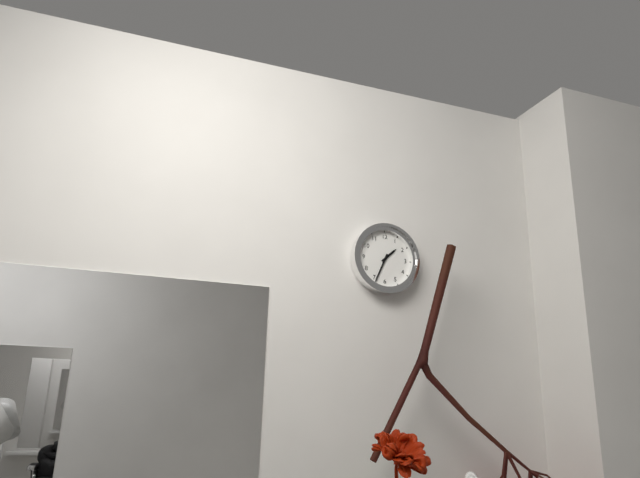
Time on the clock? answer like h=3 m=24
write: h=1 m=34
